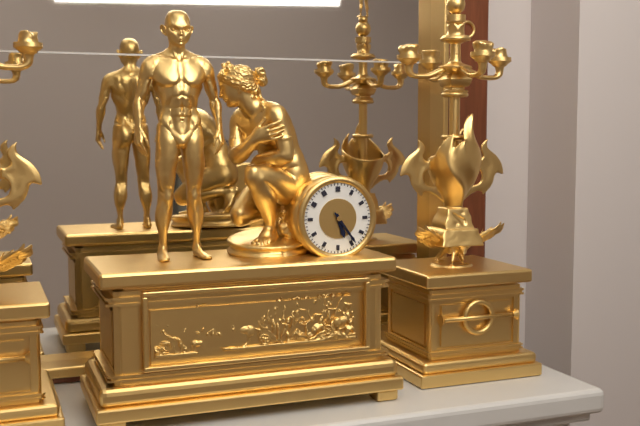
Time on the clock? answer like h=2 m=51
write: h=5 m=24
